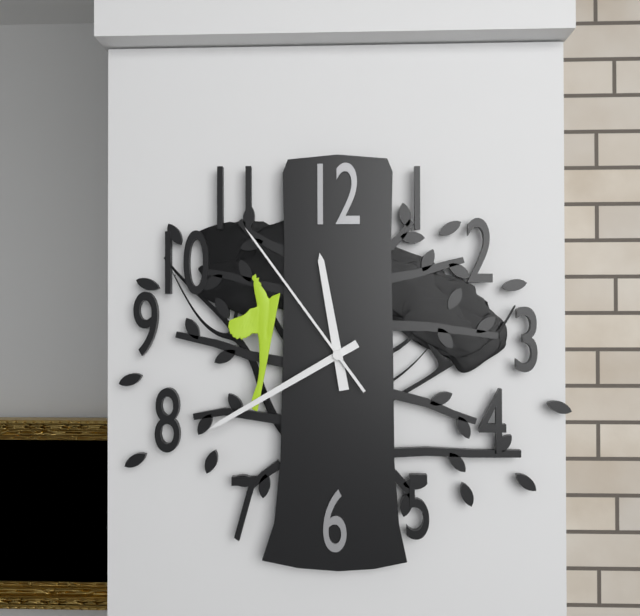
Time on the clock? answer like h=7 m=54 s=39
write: h=11 m=40 s=54
